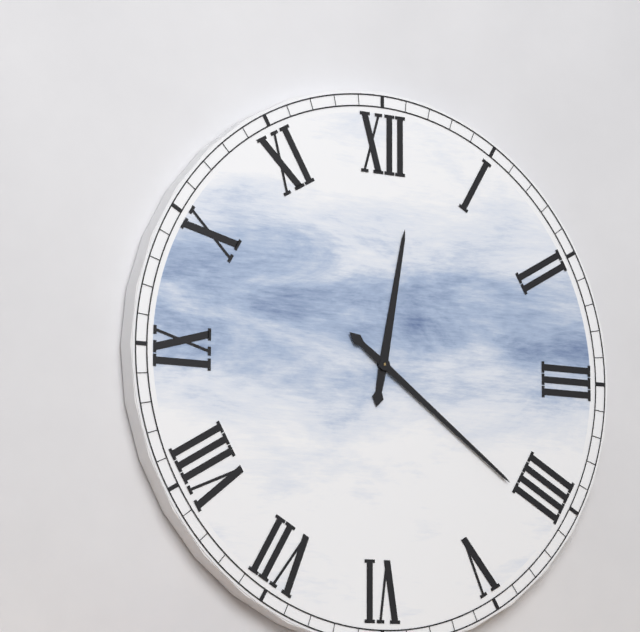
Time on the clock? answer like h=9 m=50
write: h=12 m=21
